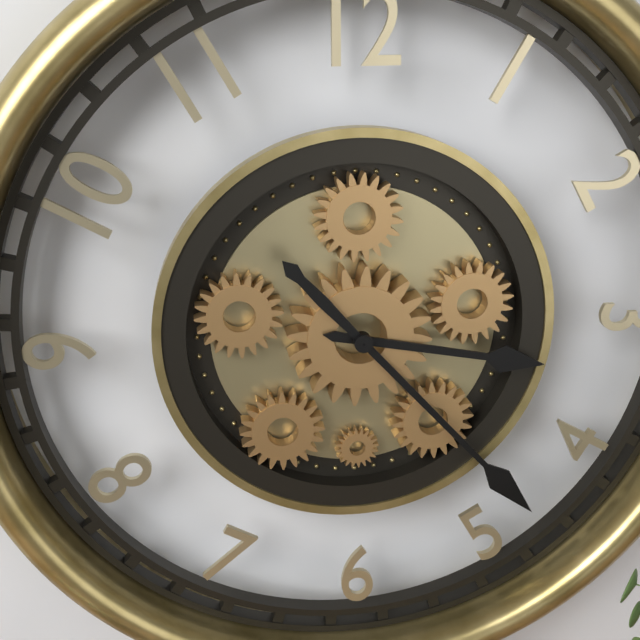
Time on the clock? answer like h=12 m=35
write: h=3 m=23
